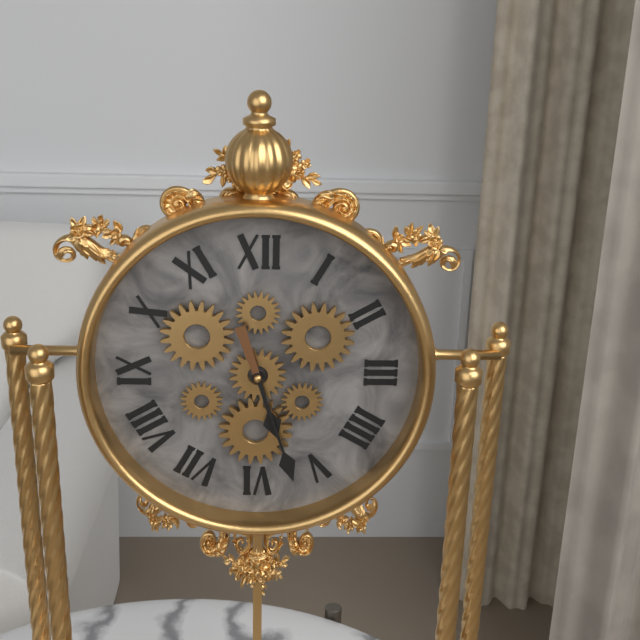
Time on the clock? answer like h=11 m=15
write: h=5 m=27
